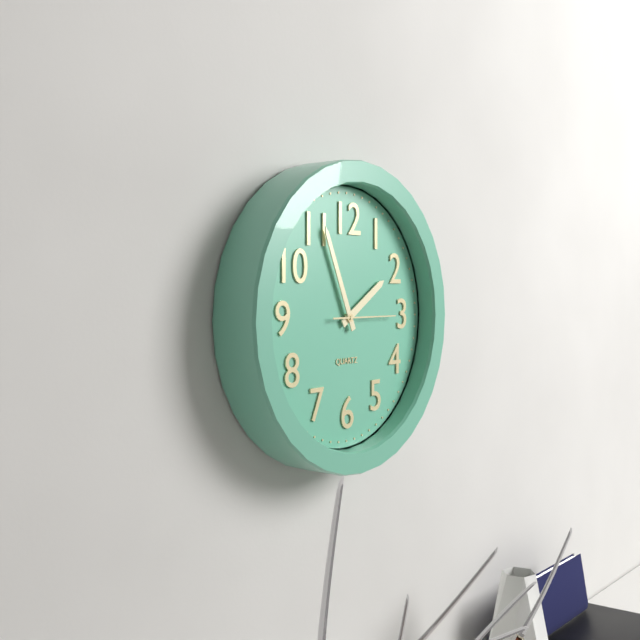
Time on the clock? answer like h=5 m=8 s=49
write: h=1 m=56 s=15
